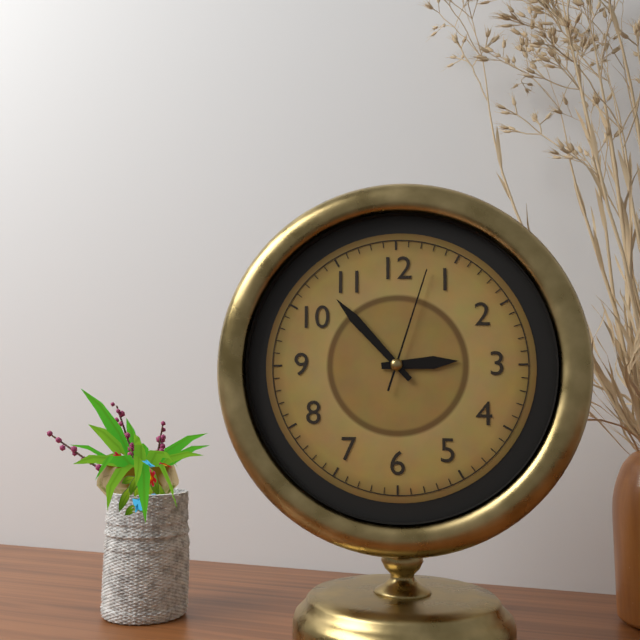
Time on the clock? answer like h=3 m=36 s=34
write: h=2 m=53 s=3
